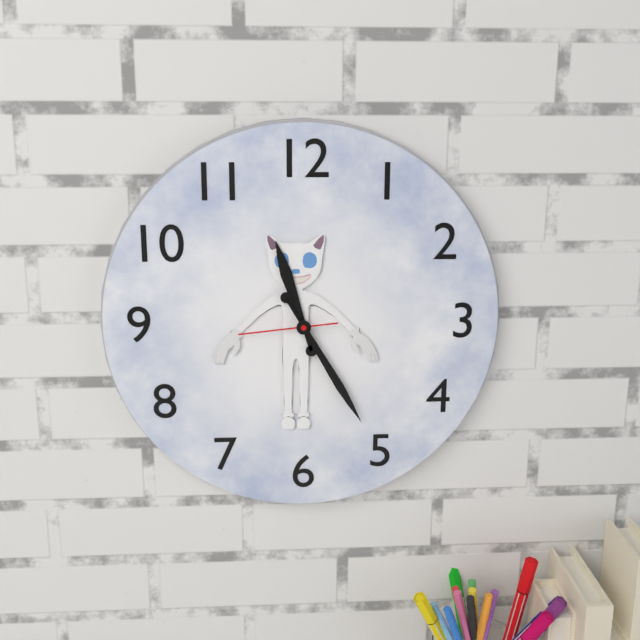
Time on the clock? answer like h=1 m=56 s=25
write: h=11 m=25 s=44
